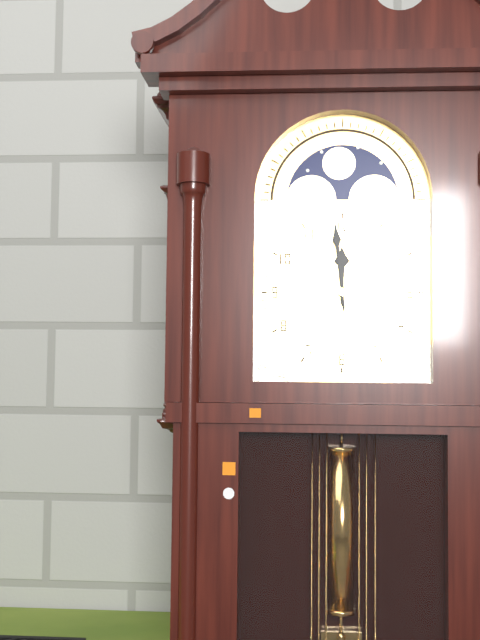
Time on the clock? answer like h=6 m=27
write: h=11 m=59
